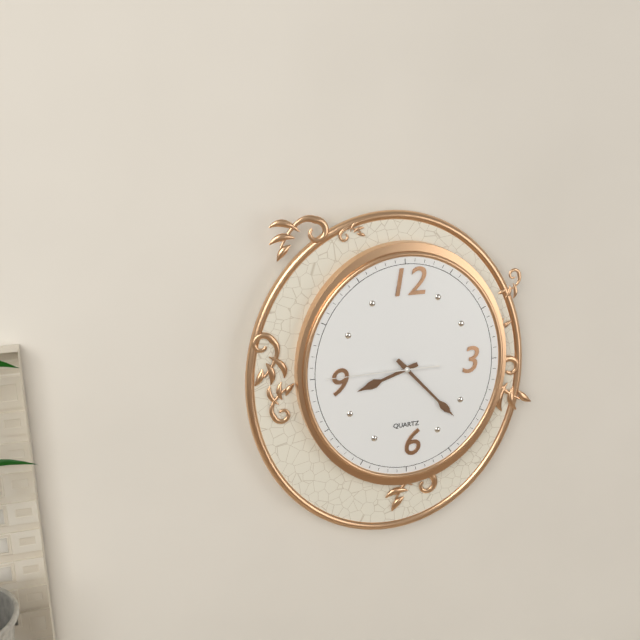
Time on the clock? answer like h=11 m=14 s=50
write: h=8 m=23 s=45
